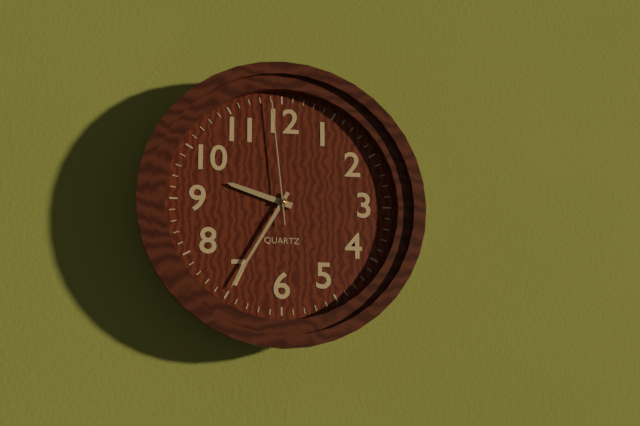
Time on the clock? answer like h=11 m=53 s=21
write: h=9 m=35 s=59
